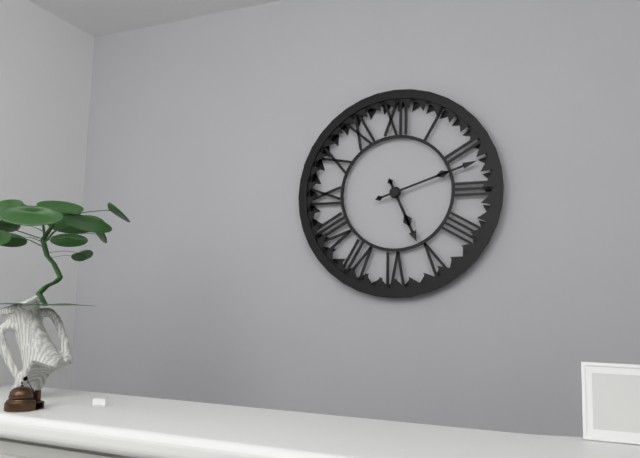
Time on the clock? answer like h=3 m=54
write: h=5 m=12
